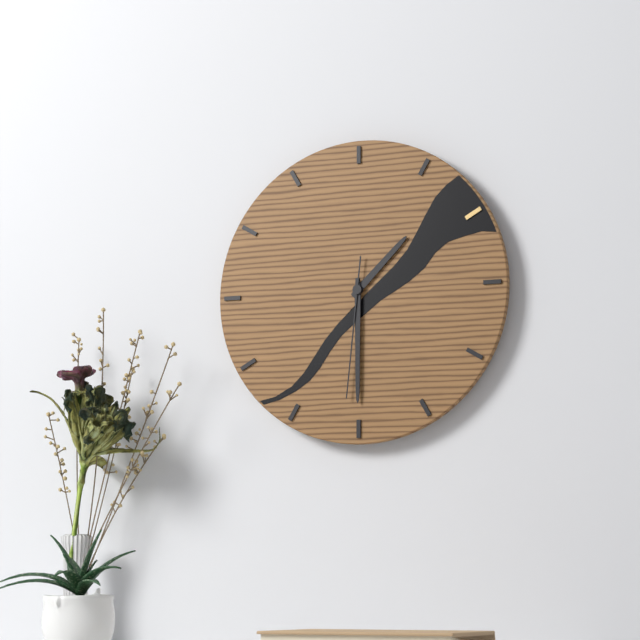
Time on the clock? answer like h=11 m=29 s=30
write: h=1 m=30 s=31
